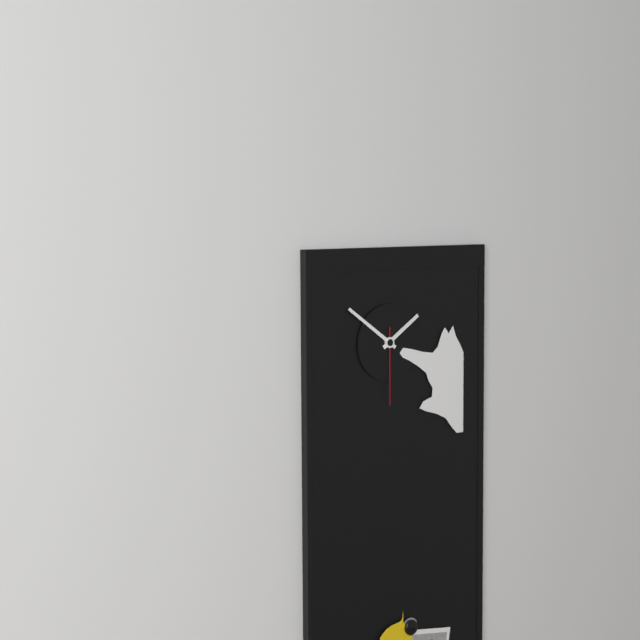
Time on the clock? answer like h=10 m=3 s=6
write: h=1 m=51 s=30
